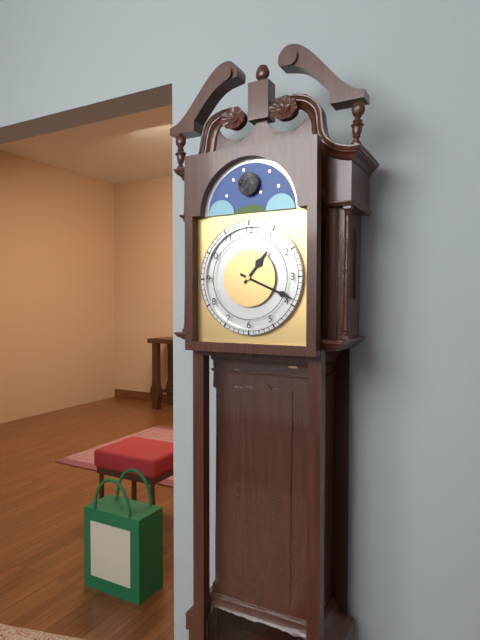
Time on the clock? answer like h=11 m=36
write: h=1 m=19
